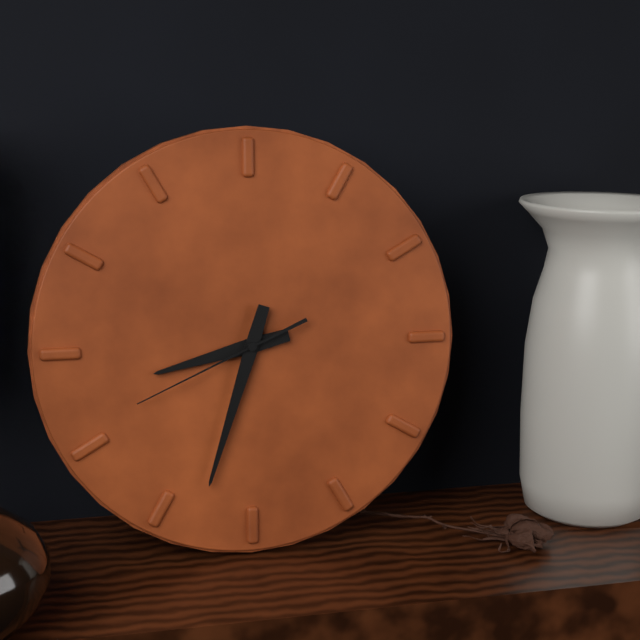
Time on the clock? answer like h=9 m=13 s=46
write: h=8 m=33 s=41
